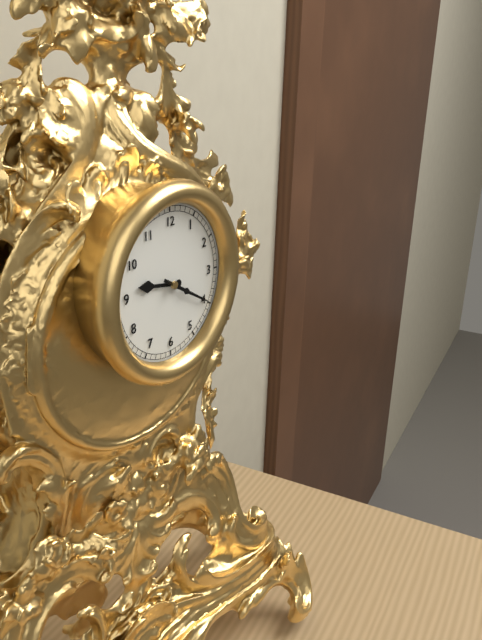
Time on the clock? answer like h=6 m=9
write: h=9 m=20
